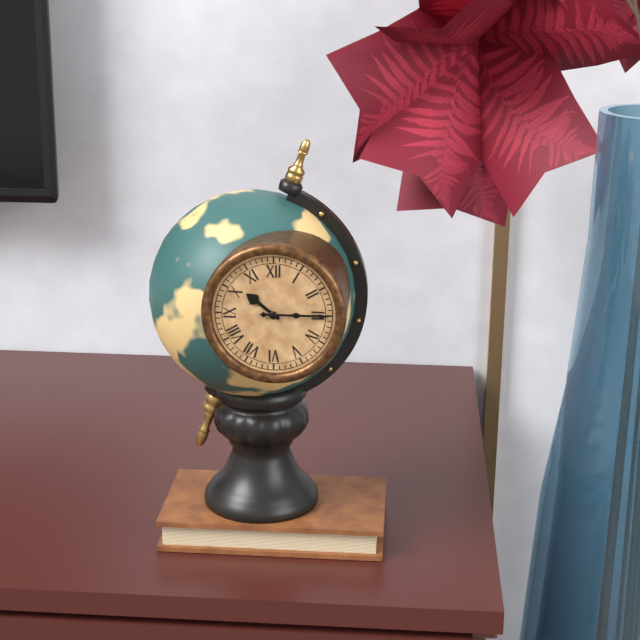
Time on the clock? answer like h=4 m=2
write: h=10 m=15
